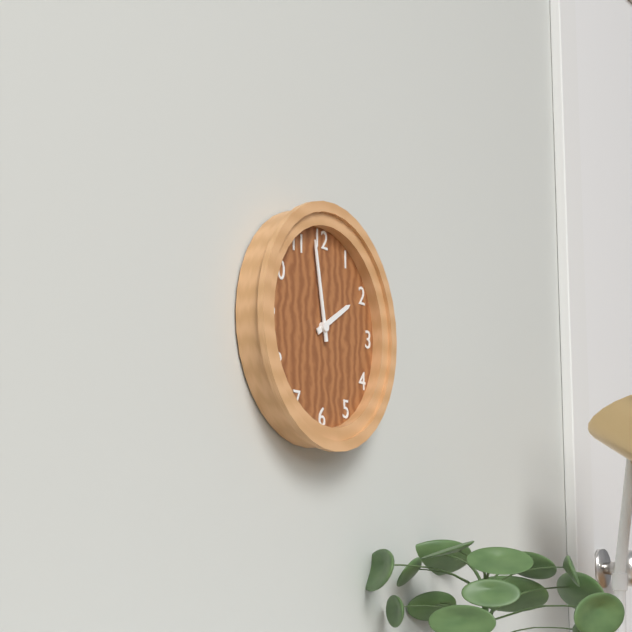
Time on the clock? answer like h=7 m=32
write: h=1 m=58
